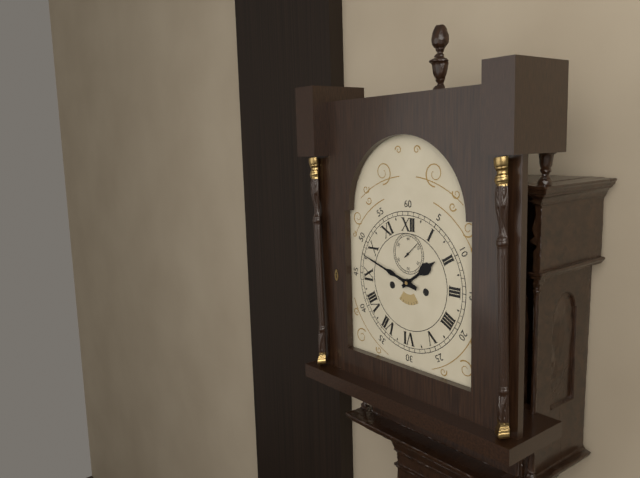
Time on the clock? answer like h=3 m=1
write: h=1 m=48
